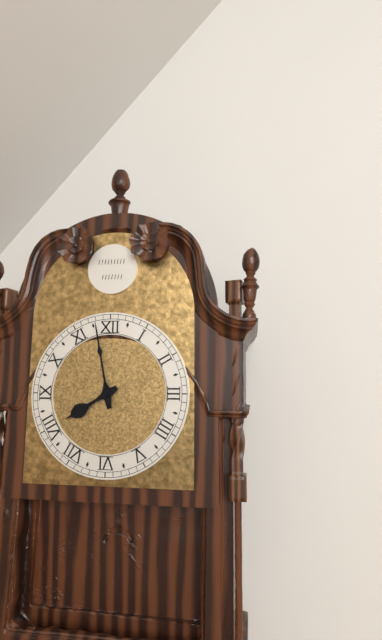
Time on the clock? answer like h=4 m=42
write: h=7 m=58
